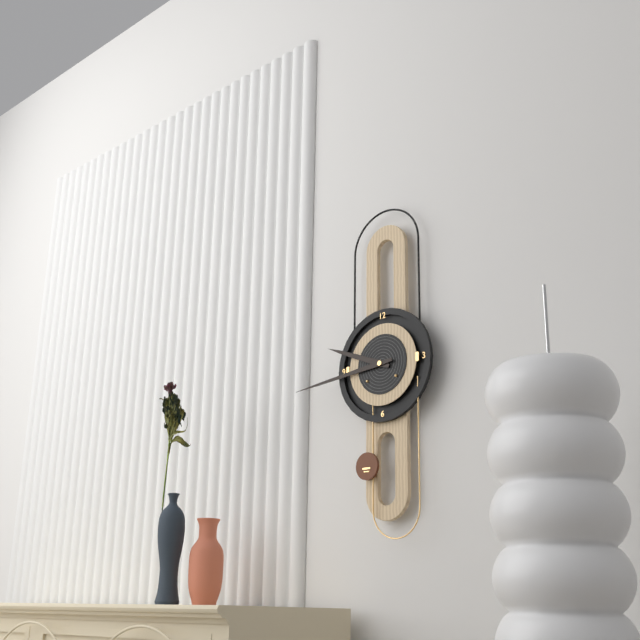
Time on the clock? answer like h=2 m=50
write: h=9 m=44
